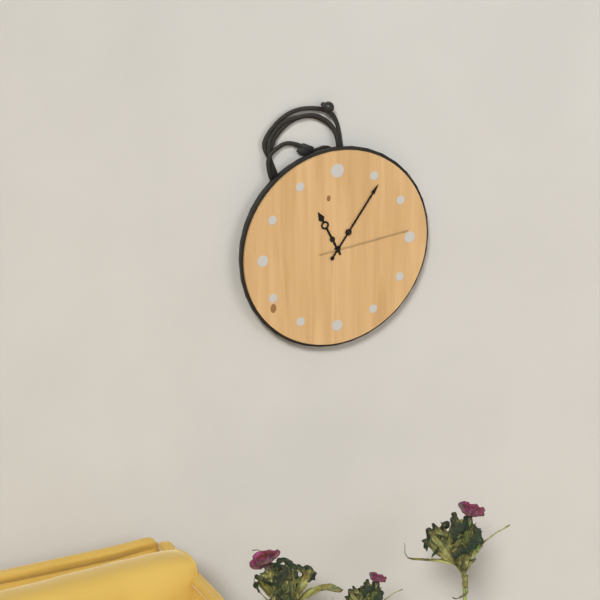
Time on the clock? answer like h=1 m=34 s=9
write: h=11 m=6 s=14
